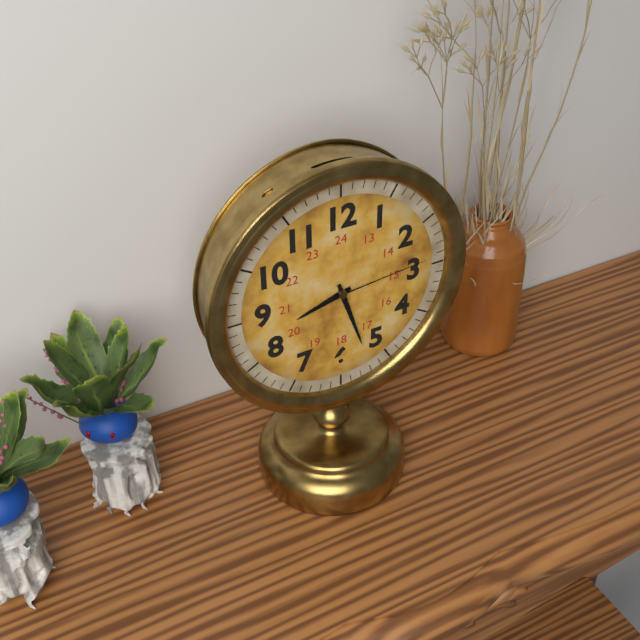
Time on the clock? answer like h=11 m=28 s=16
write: h=8 m=27 s=14
